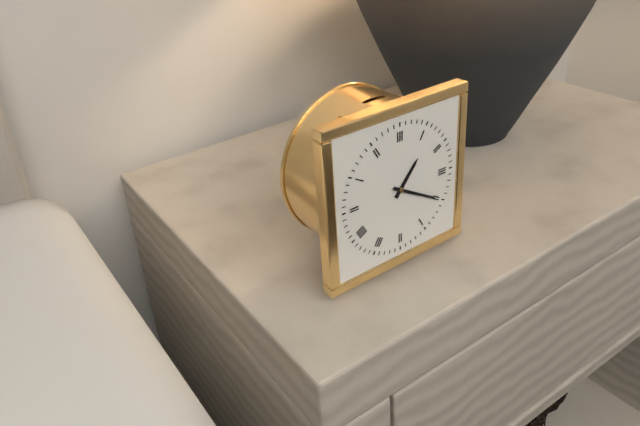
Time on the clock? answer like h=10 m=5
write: h=1 m=20
